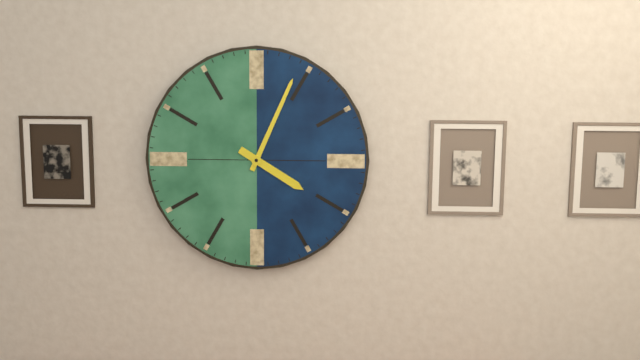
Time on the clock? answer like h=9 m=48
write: h=4 m=4
